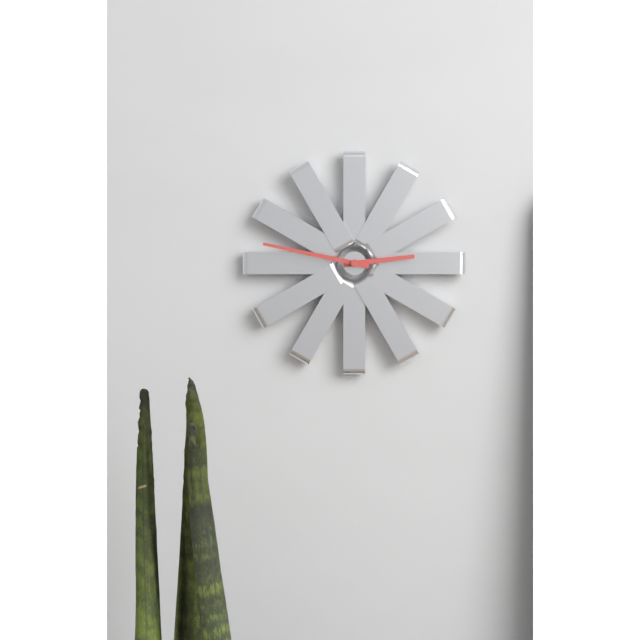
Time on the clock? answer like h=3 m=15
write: h=2 m=47
